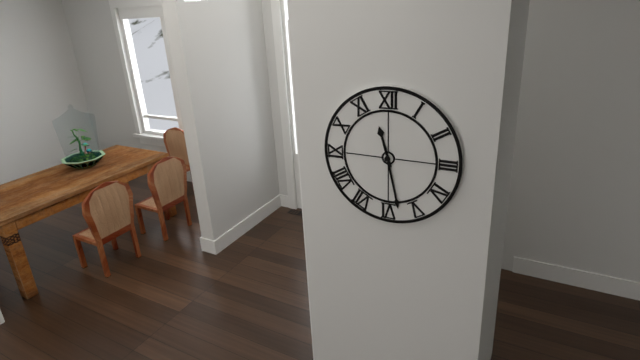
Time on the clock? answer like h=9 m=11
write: h=11 m=28
